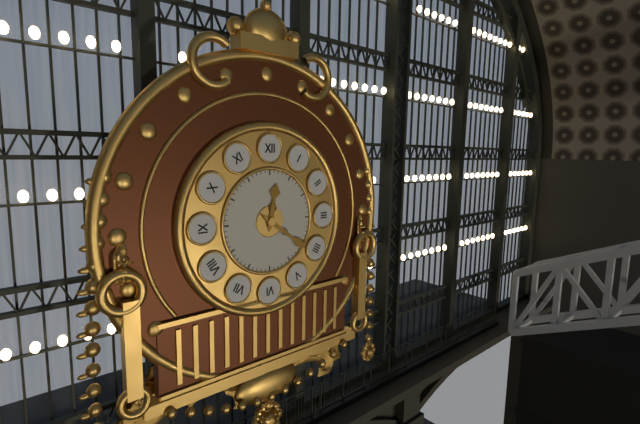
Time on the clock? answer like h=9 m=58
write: h=12 m=21
